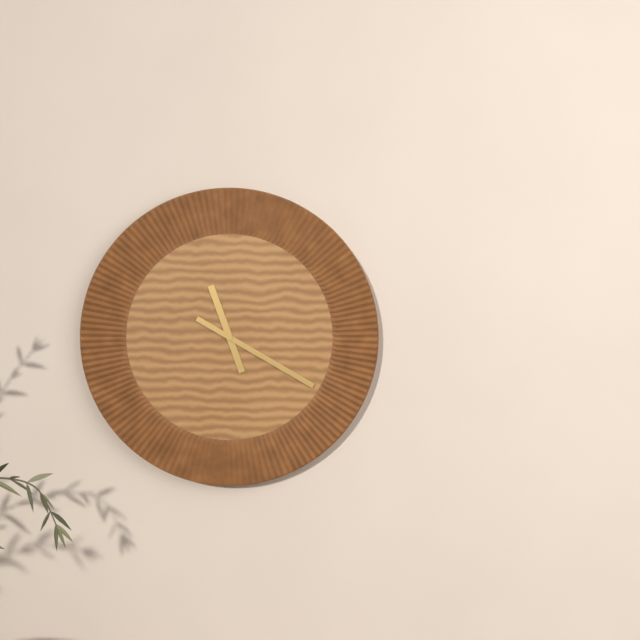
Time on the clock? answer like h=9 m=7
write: h=11 m=20
